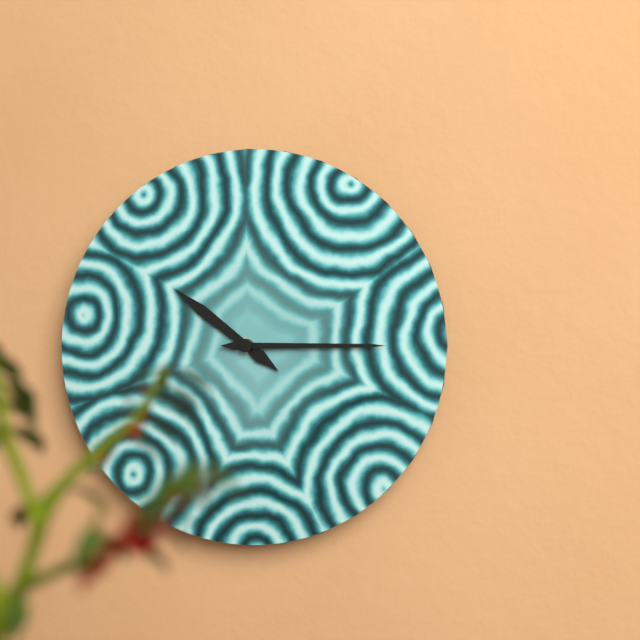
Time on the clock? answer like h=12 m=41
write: h=10 m=15
